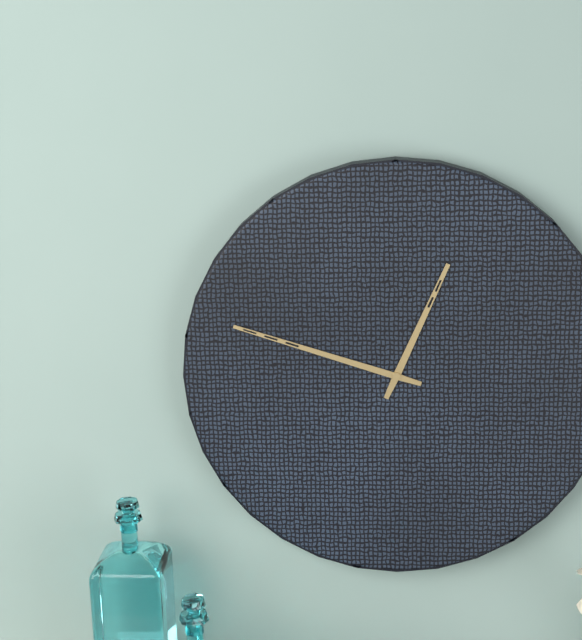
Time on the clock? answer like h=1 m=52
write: h=12 m=48
